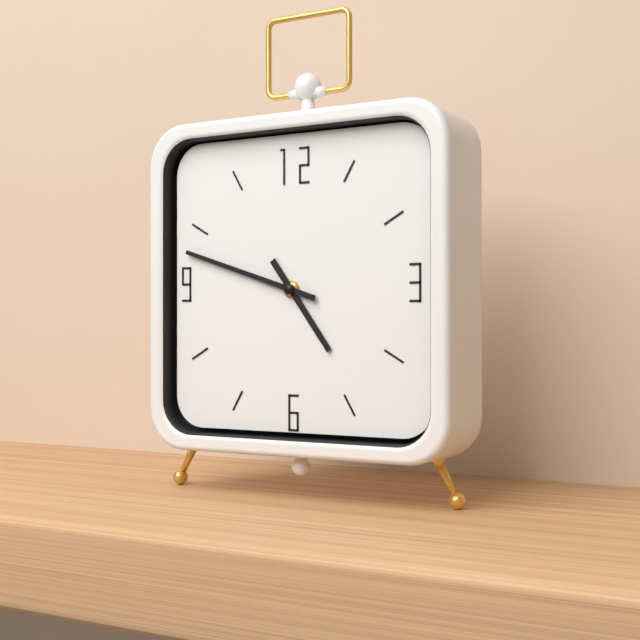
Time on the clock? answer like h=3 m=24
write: h=4 m=48
